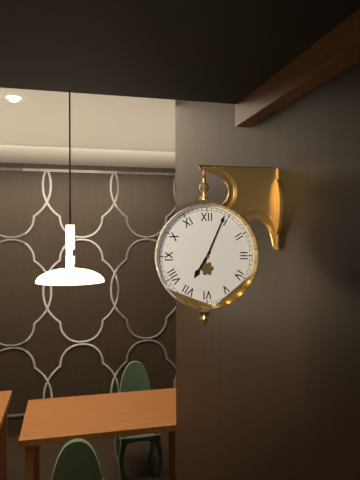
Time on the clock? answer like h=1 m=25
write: h=7 m=4
